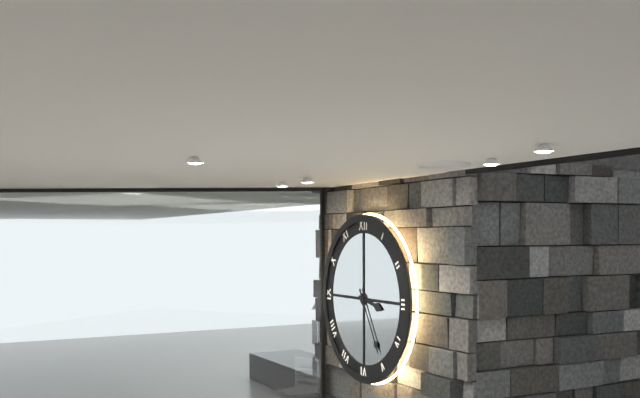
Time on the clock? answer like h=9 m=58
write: h=3 m=25
